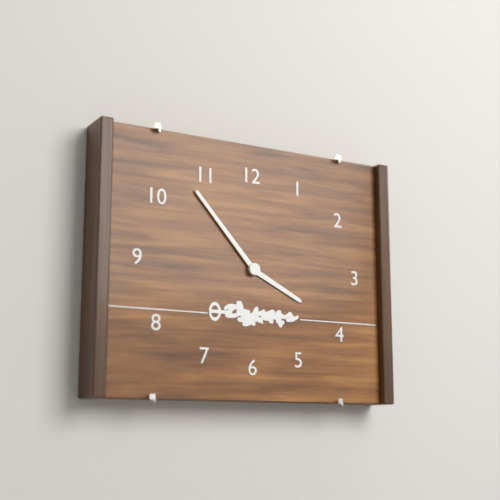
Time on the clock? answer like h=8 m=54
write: h=3 m=53
